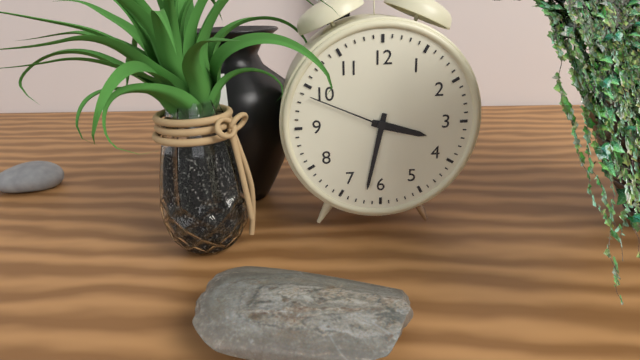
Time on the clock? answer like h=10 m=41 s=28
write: h=3 m=32 s=49
